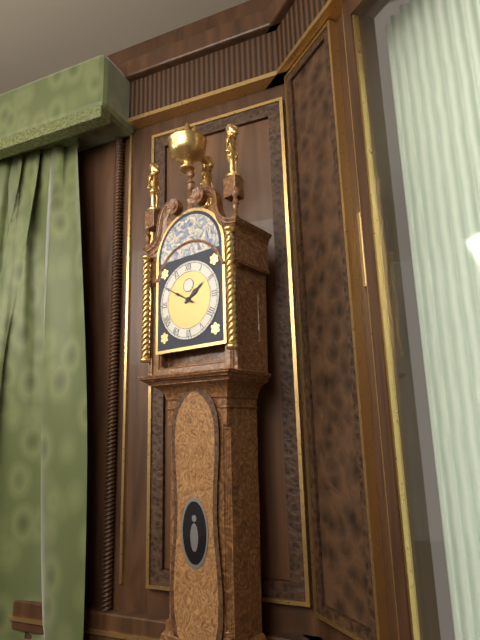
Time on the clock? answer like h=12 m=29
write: h=1 m=50
